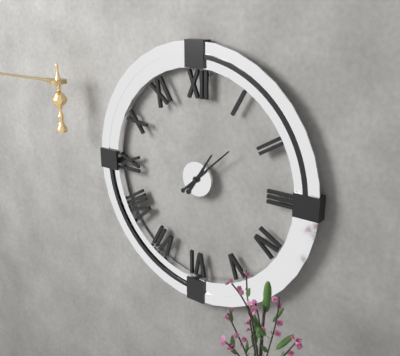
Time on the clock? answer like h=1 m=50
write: h=1 m=8
